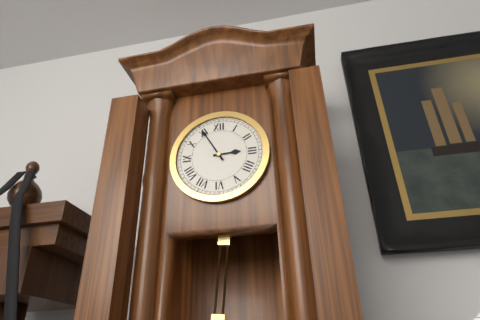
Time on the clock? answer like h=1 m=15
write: h=2 m=55
